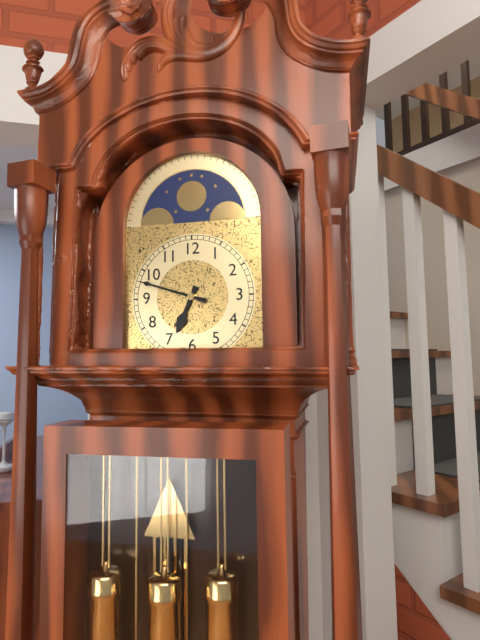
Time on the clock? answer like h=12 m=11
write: h=6 m=48
